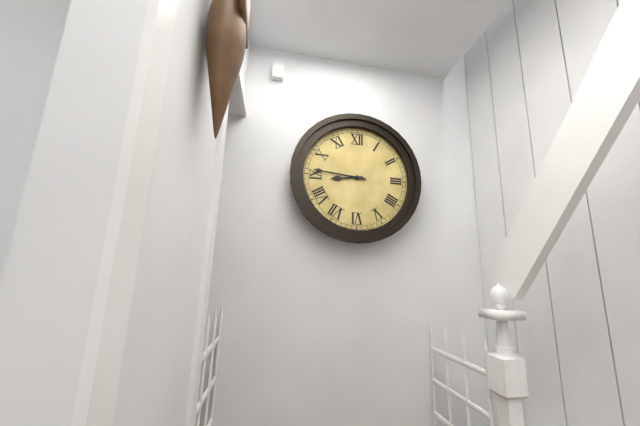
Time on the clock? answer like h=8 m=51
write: h=8 m=46
